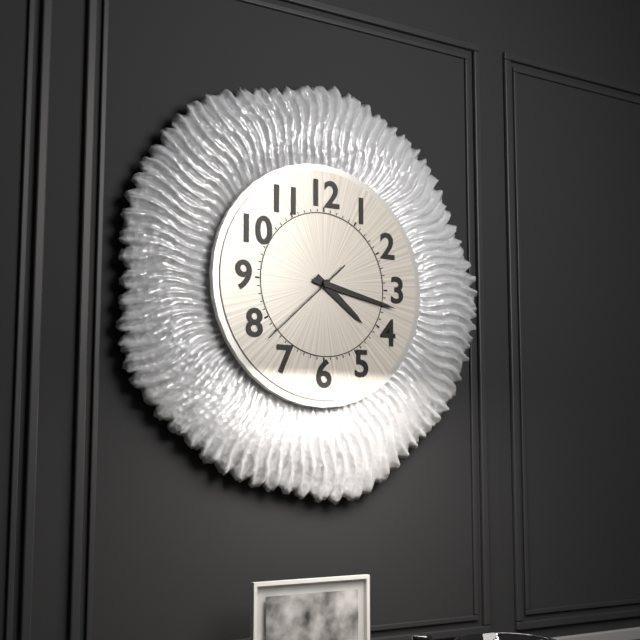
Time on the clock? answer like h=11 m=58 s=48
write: h=4 m=17 s=38
